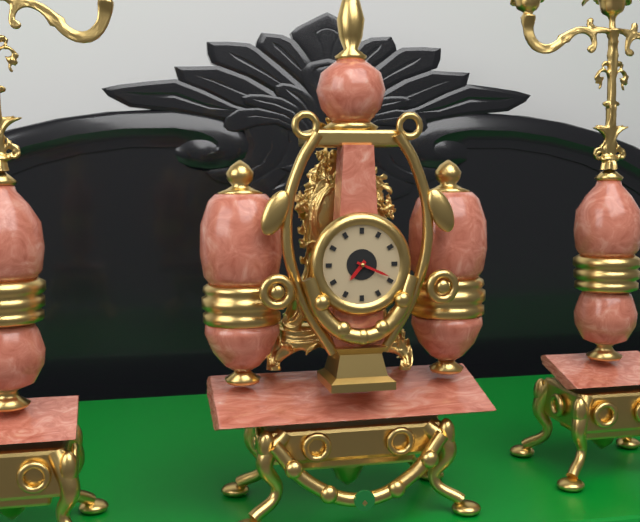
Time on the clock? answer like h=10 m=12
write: h=7 m=19
